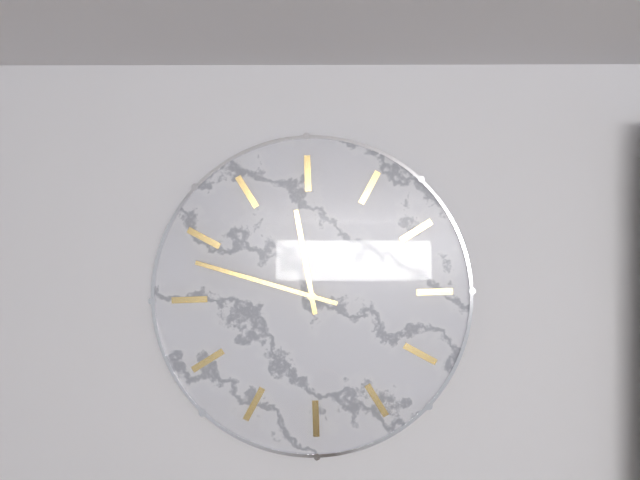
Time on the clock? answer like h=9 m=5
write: h=10 m=43
